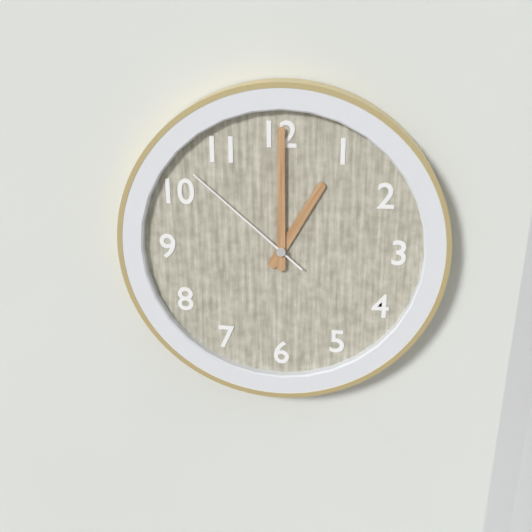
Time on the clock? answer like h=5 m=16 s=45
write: h=1 m=0 s=52
